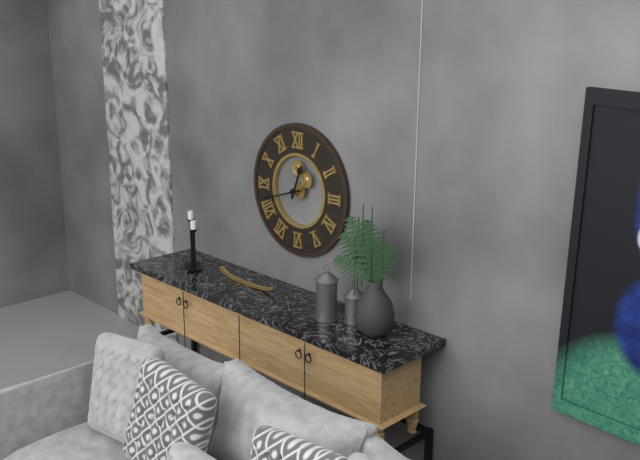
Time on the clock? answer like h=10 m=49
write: h=12 m=42
